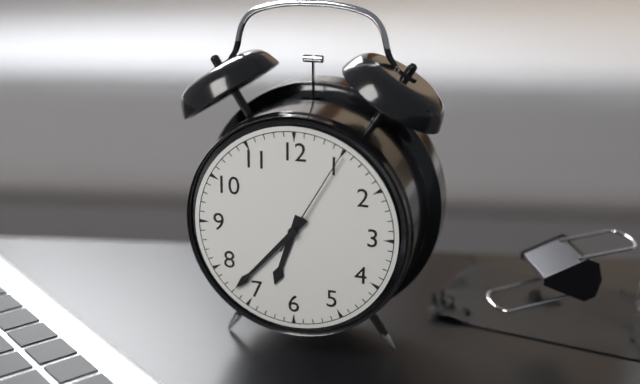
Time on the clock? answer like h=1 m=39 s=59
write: h=6 m=37 s=5
